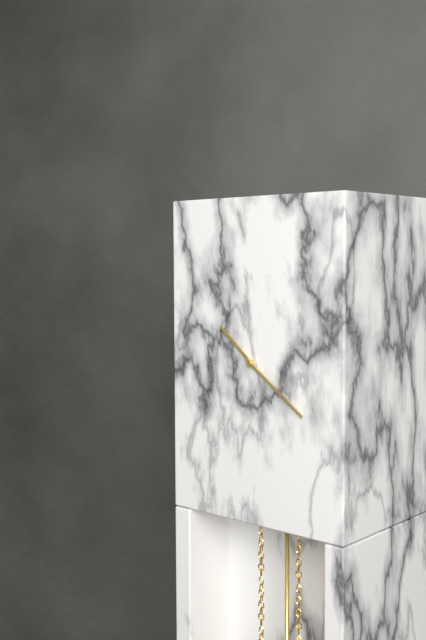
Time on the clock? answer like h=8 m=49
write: h=10 m=21
